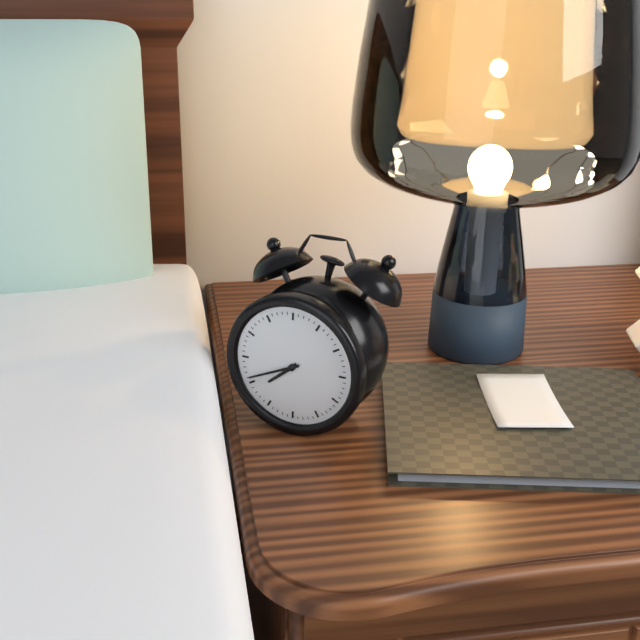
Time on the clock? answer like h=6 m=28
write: h=7 m=41
